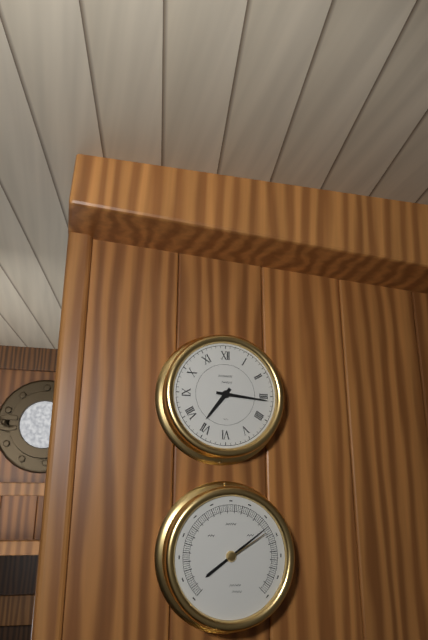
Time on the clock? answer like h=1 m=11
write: h=7 m=16
